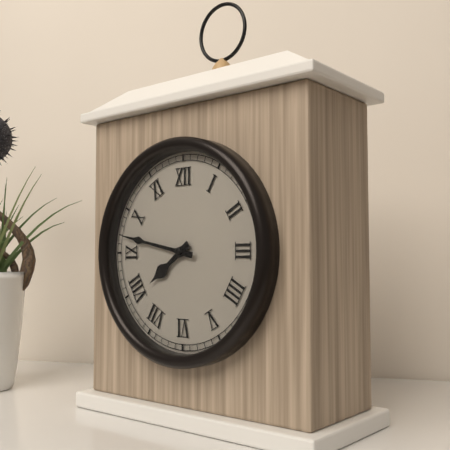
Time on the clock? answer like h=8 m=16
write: h=7 m=47
